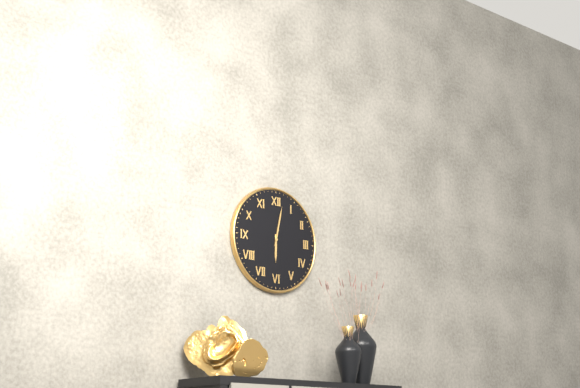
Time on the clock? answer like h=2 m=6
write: h=6 m=2
